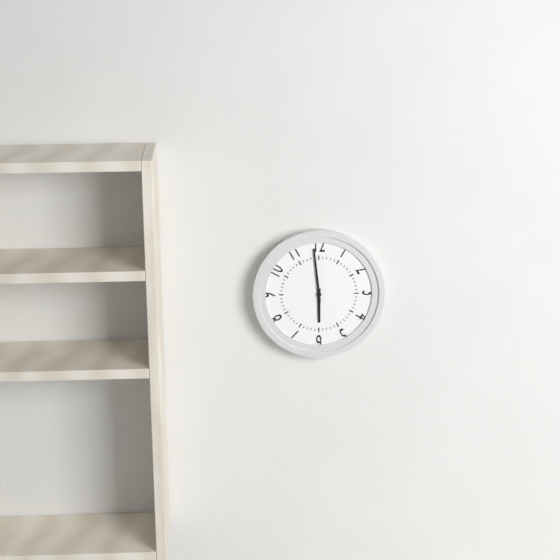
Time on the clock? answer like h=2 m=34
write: h=5 m=59
